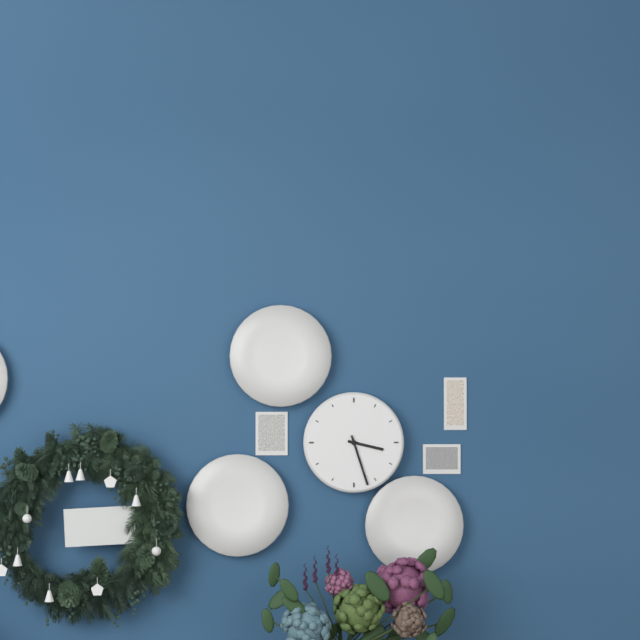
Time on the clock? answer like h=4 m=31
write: h=3 m=27
